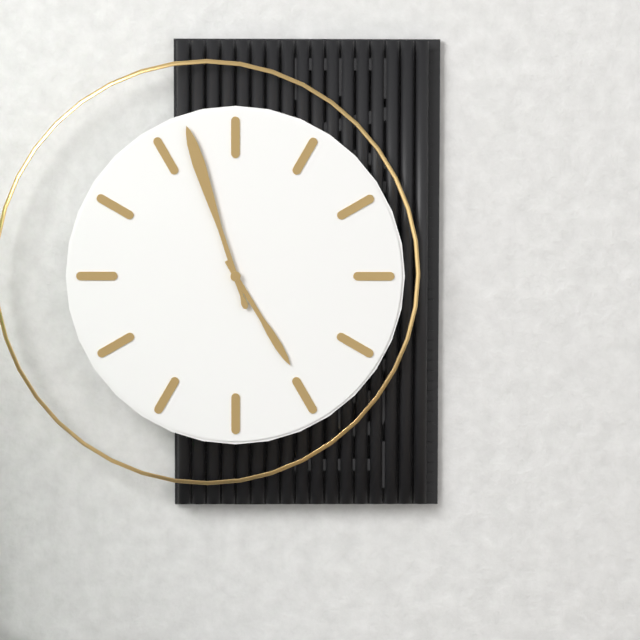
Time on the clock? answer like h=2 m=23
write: h=4 m=57
